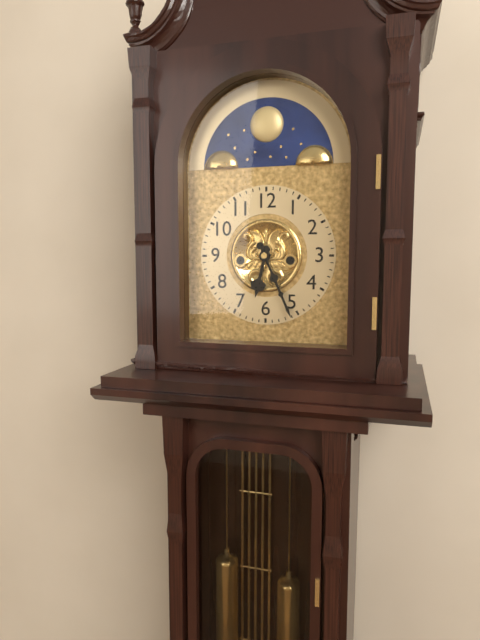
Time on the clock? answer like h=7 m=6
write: h=6 m=26
